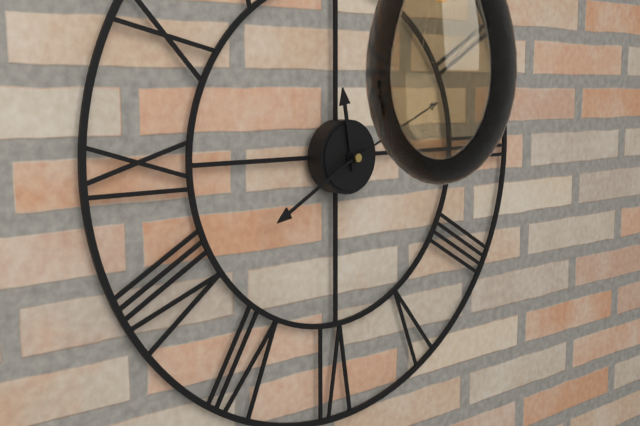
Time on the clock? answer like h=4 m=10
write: h=11 m=40
